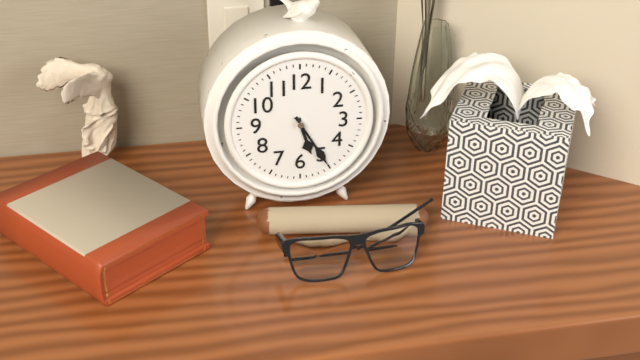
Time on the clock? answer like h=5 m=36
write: h=5 m=25
